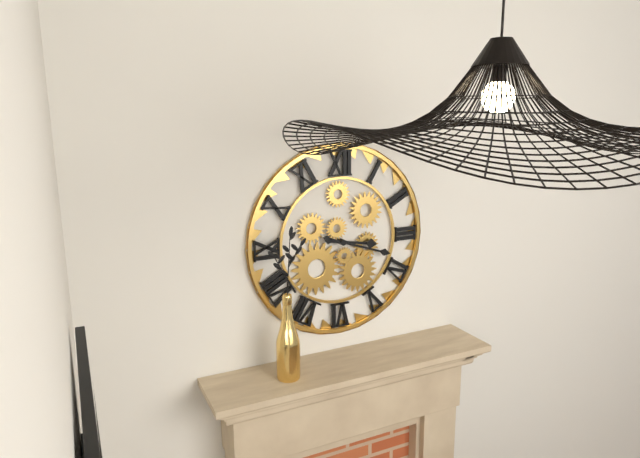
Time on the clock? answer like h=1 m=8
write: h=3 m=18
